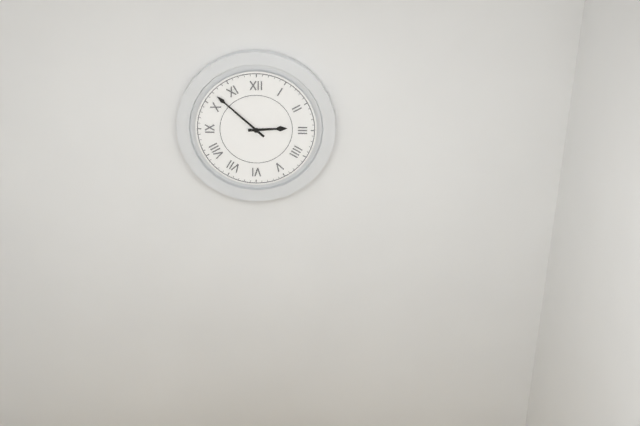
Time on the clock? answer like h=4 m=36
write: h=2 m=52
